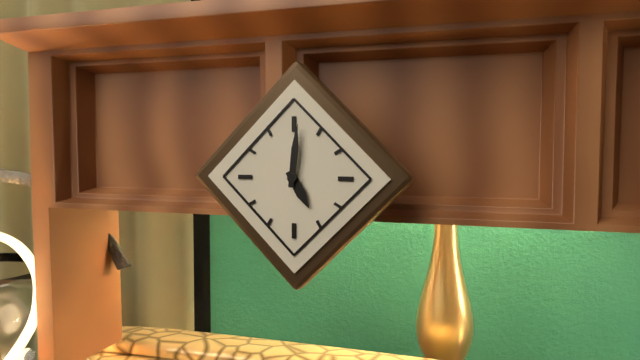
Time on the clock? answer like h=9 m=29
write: h=5 m=1
